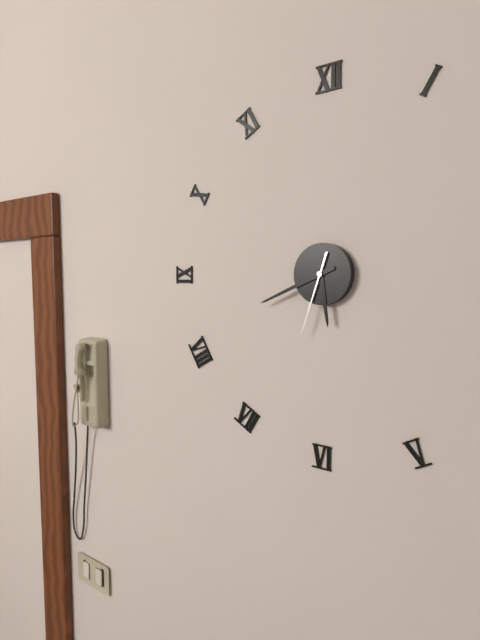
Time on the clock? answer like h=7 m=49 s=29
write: h=5 m=41 s=33
